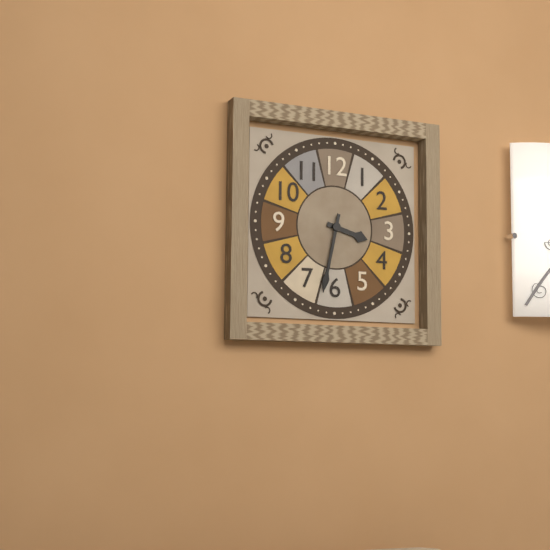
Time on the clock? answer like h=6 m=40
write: h=3 m=32
